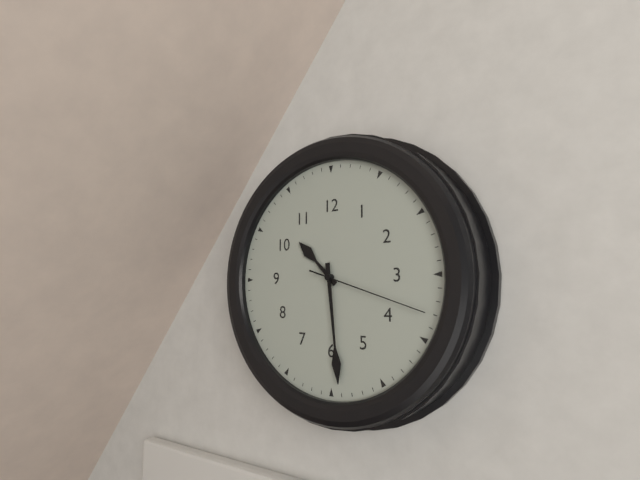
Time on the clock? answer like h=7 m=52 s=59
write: h=10 m=29 s=18
